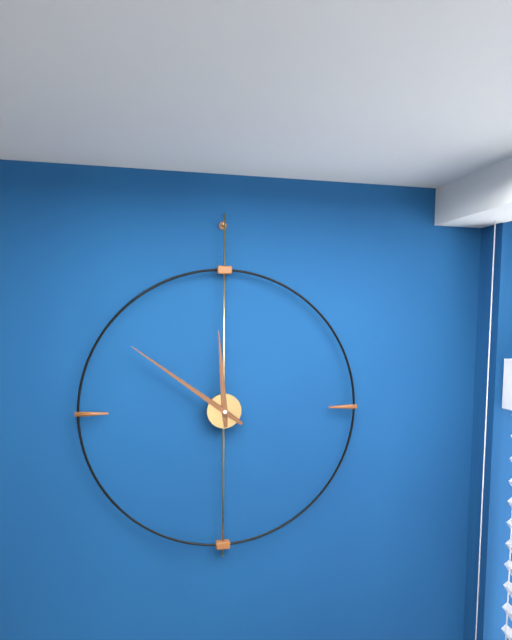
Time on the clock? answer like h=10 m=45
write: h=11 m=51
